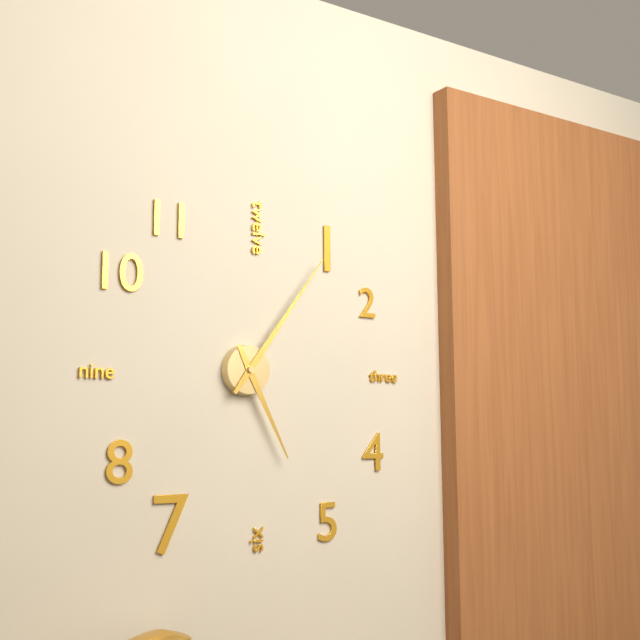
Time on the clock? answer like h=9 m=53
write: h=5 m=6
